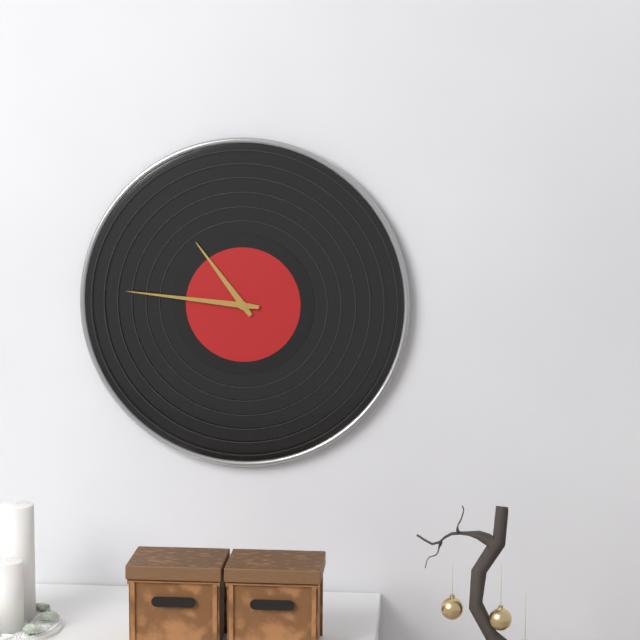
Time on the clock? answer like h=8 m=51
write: h=10 m=46
